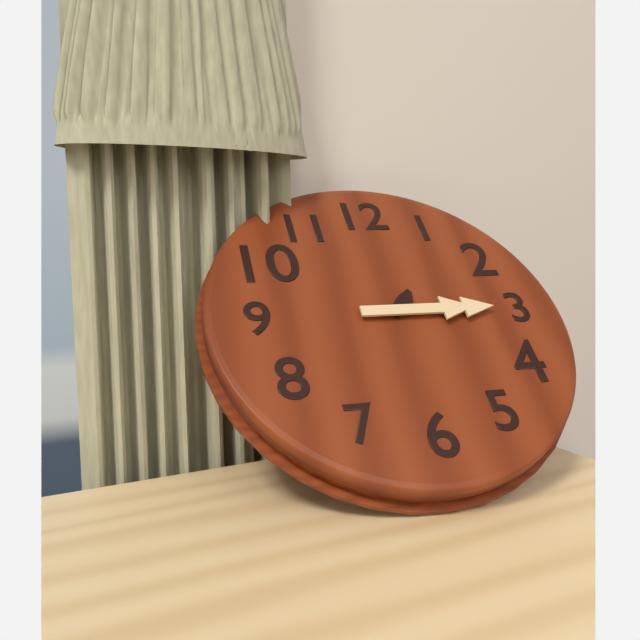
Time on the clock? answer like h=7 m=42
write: h=1 m=15
